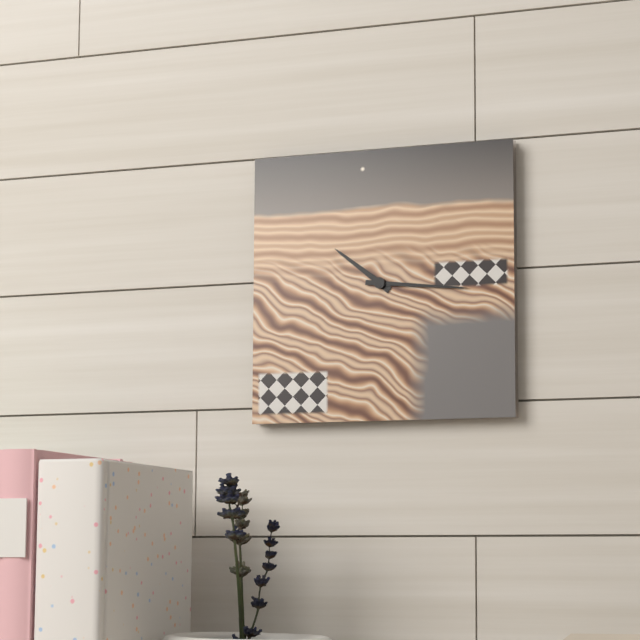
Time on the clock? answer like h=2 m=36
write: h=10 m=16
